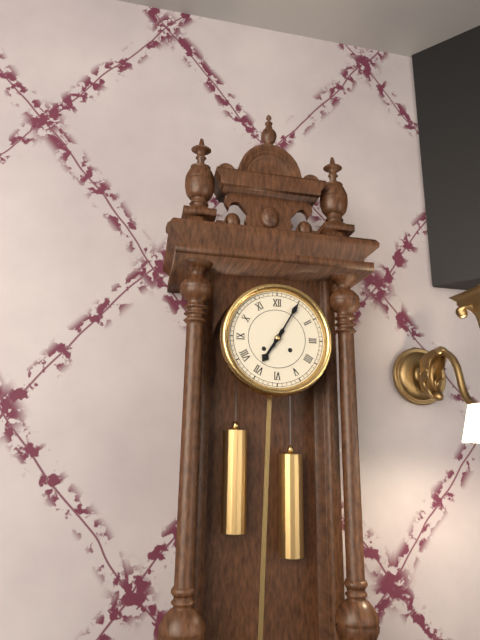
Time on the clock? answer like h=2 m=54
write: h=7 m=5
